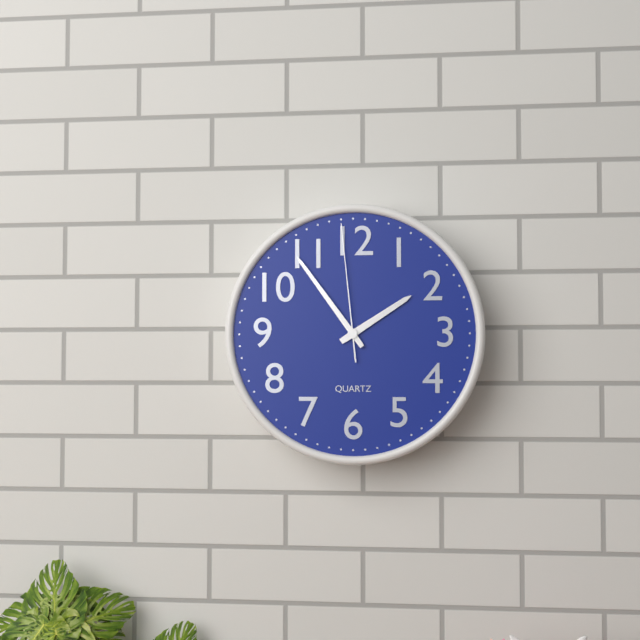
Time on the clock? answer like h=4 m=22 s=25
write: h=1 m=54 s=59
